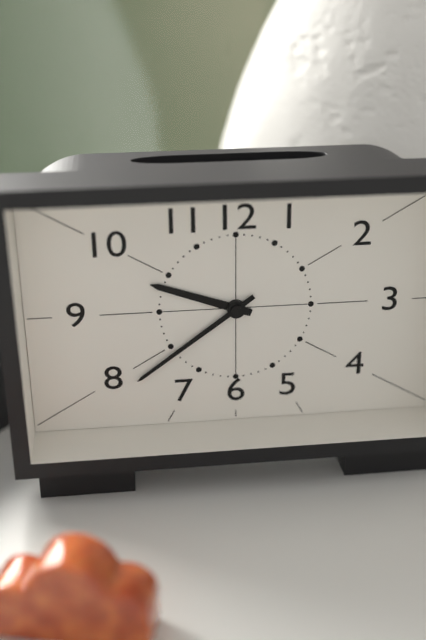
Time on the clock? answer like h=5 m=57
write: h=9 m=39
